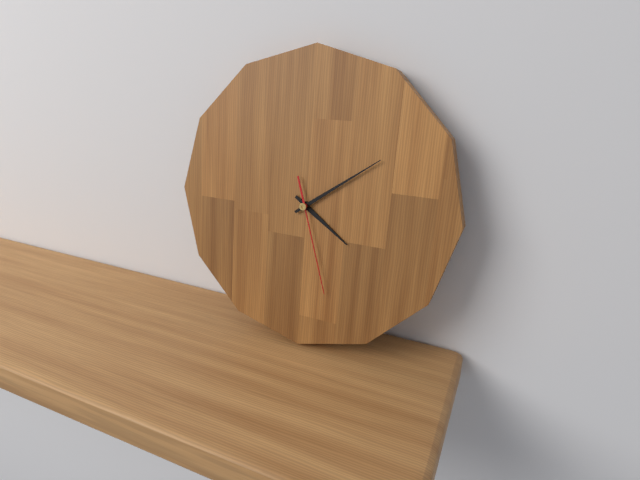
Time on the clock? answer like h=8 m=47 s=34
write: h=4 m=9 s=27
